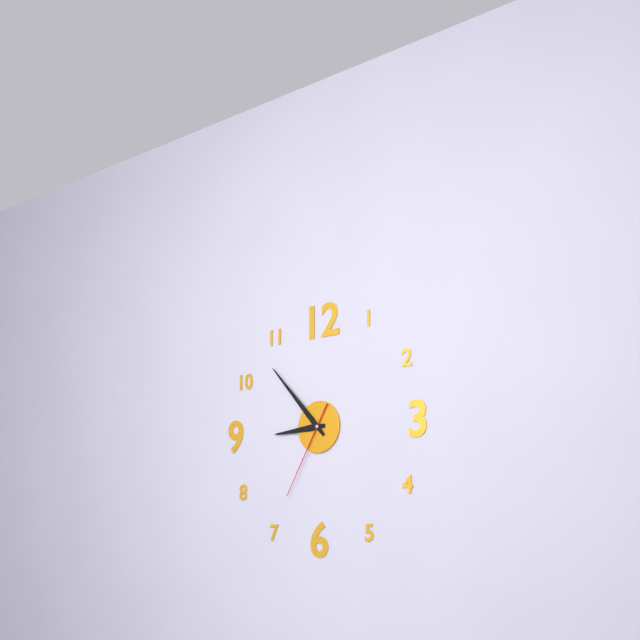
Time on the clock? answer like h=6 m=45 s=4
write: h=8 m=53 s=35
